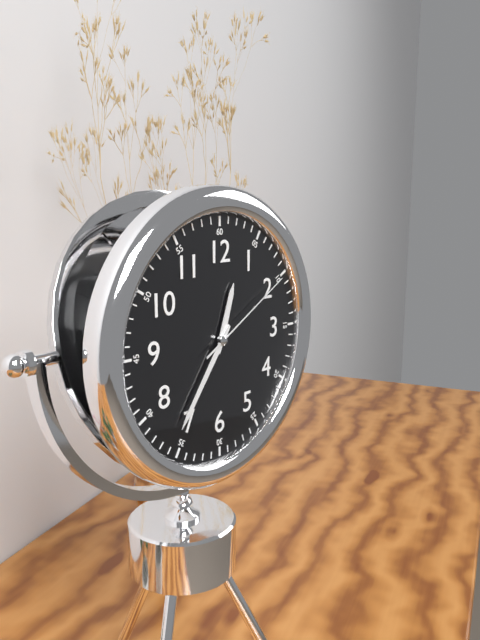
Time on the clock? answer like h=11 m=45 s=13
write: h=12 m=36 s=10
